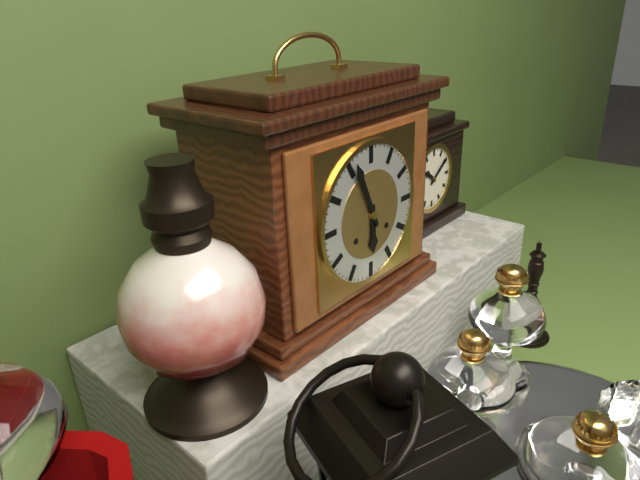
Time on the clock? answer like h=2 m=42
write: h=5 m=56
